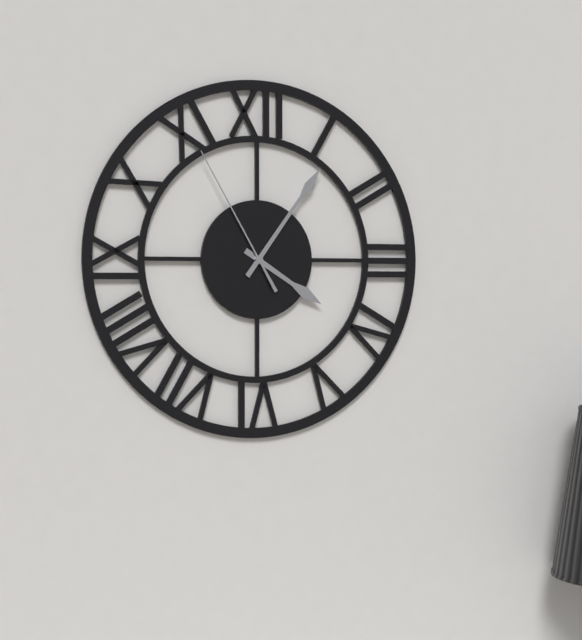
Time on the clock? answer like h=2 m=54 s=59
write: h=4 m=6 s=55
